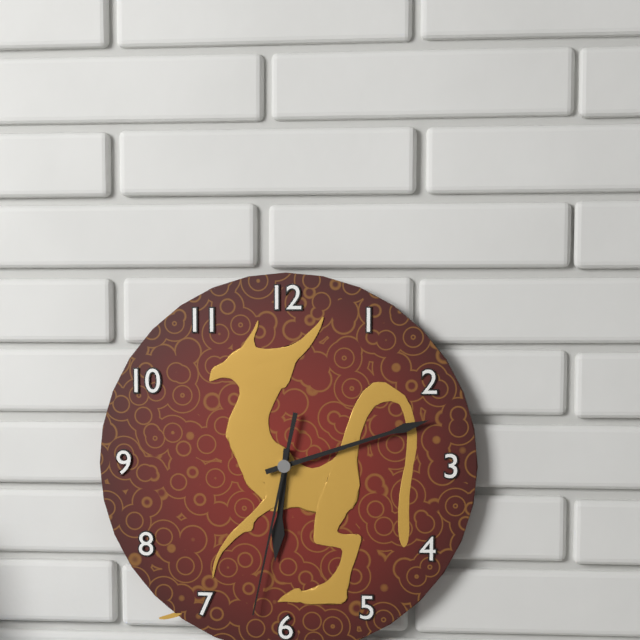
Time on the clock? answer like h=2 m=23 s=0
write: h=6 m=12 s=32
